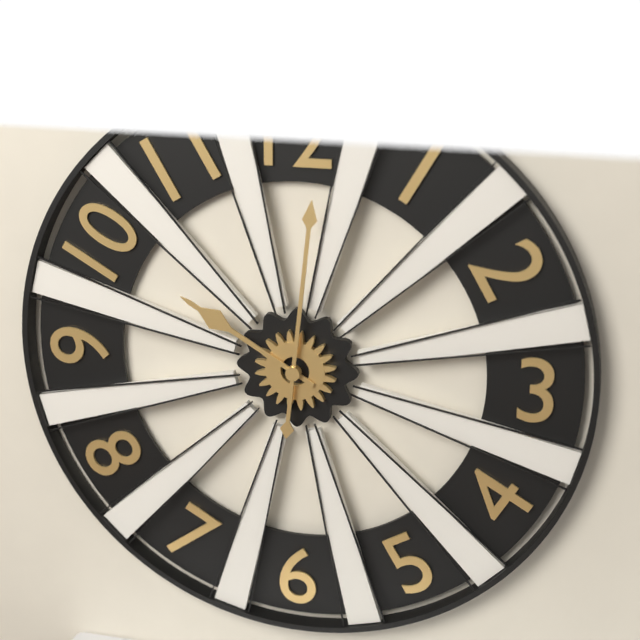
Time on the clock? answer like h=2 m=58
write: h=10 m=1
